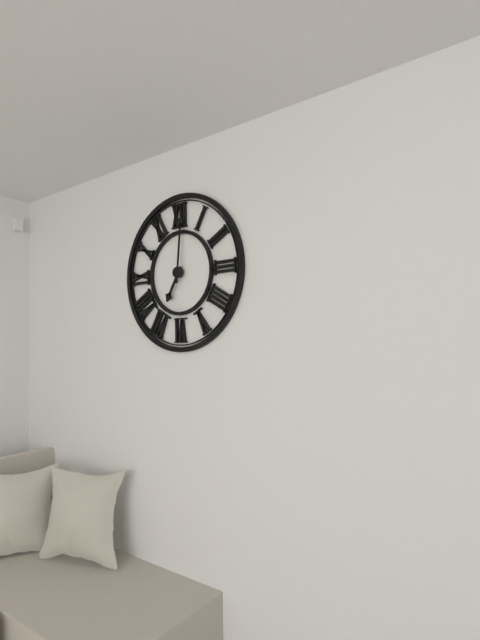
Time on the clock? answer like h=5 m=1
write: h=7 m=1
